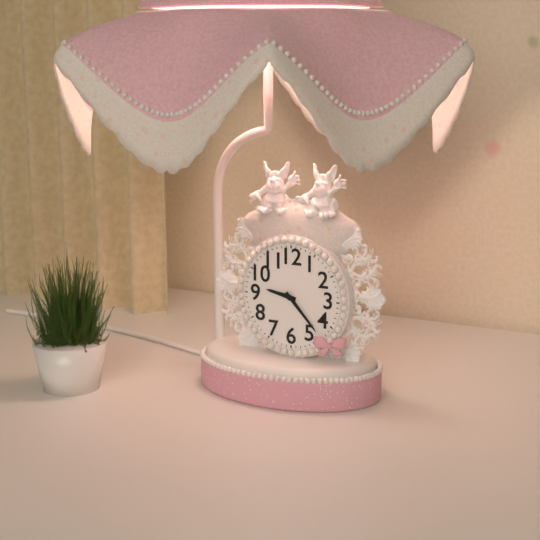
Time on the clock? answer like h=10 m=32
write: h=9 m=23
